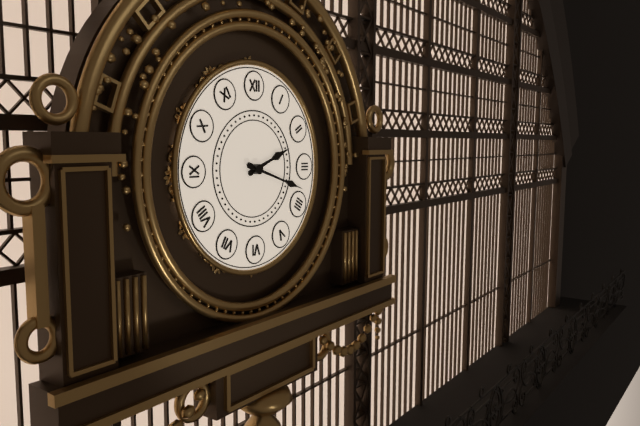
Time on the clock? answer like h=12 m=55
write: h=2 m=18
